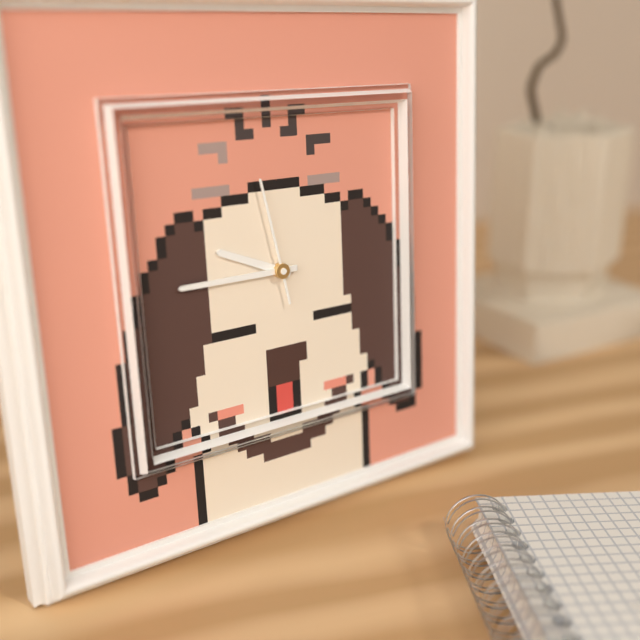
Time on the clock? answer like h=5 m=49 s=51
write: h=9 m=45 s=58
